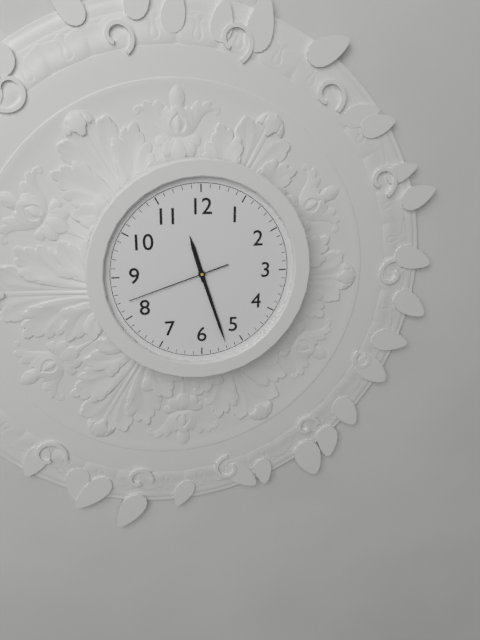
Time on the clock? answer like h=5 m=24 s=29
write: h=11 m=27 s=42
